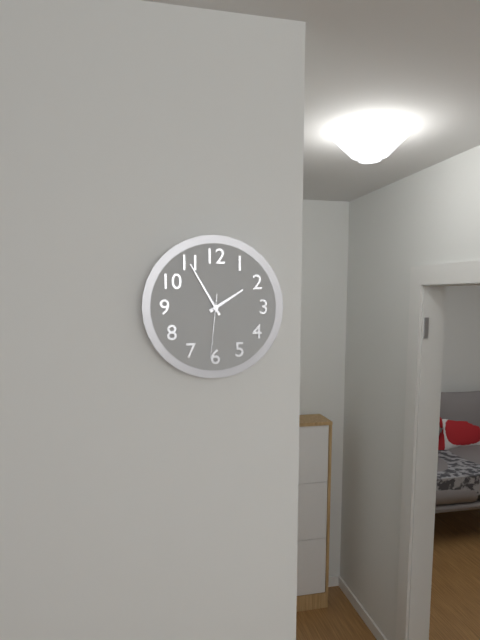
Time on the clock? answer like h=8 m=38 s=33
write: h=1 m=55 s=31
